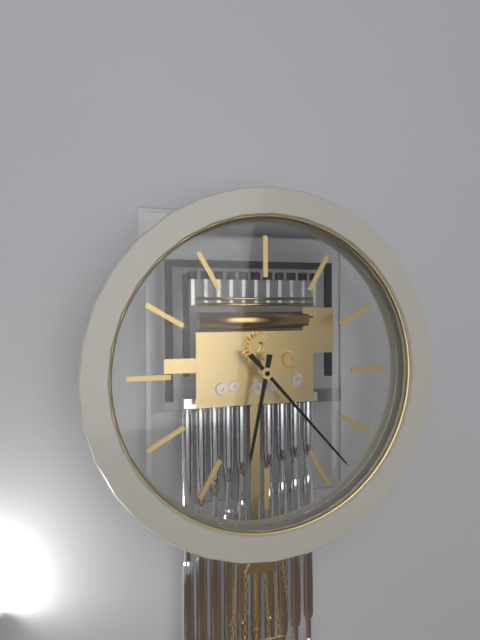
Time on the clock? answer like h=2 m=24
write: h=6 m=23
